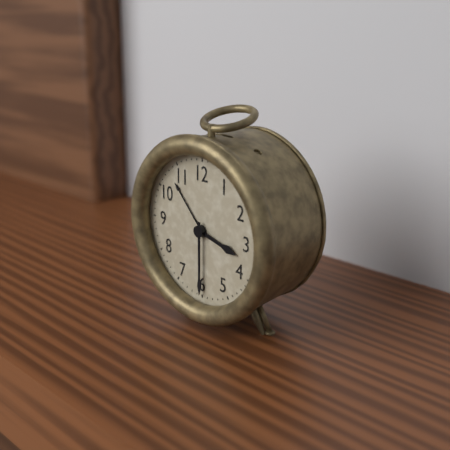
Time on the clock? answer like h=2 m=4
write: h=3 m=30
